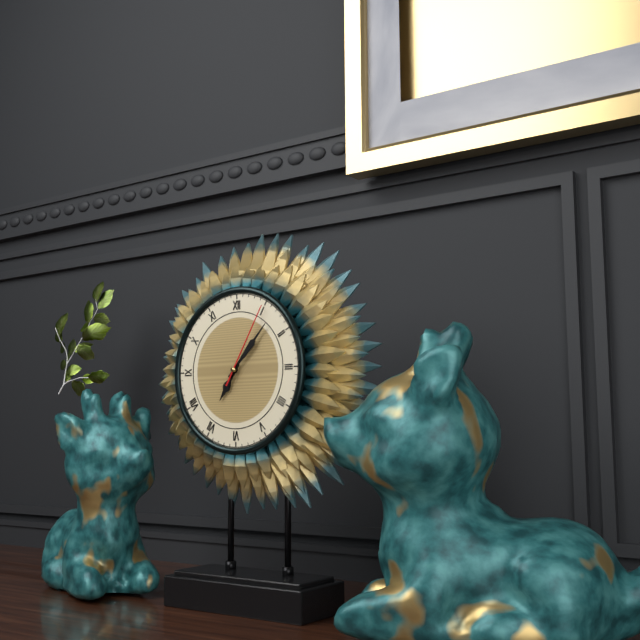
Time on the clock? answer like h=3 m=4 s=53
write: h=7 m=7 s=5
